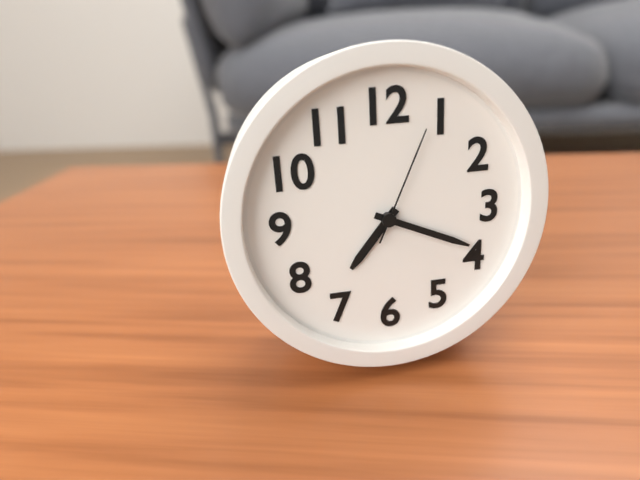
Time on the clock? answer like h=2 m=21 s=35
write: h=7 m=19 s=4
